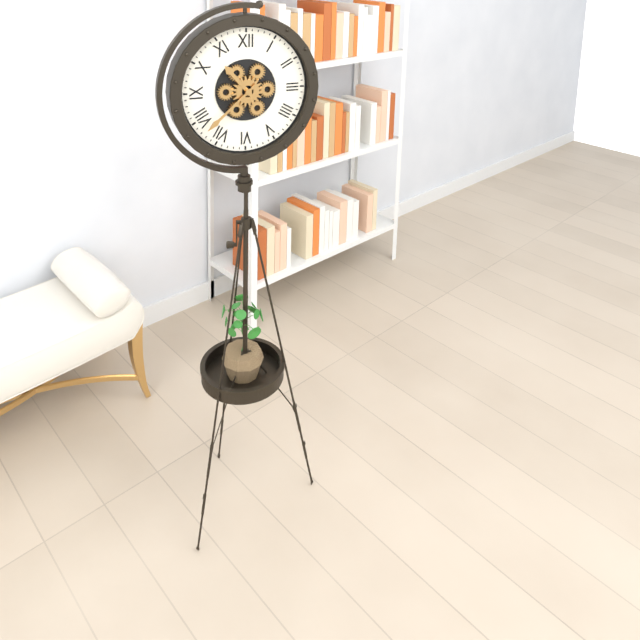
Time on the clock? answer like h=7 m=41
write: h=10 m=38
